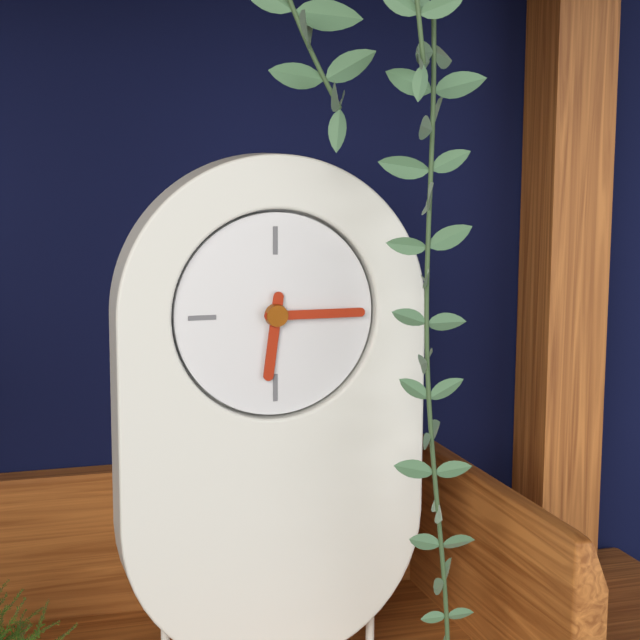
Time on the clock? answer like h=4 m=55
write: h=6 m=15
